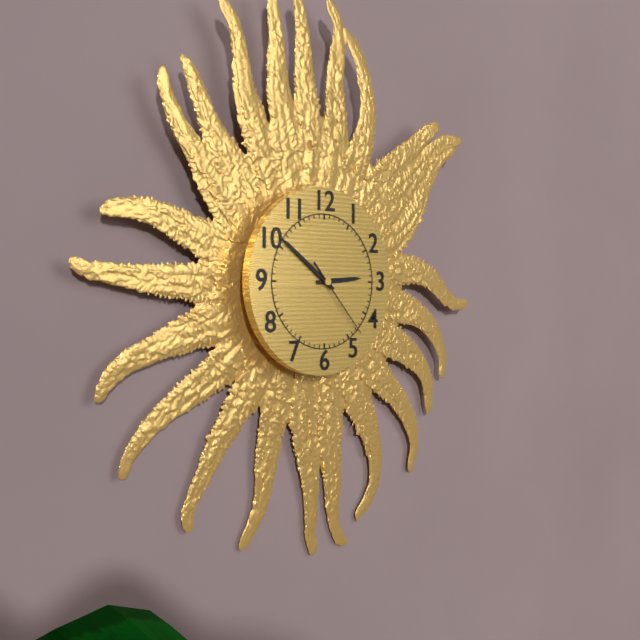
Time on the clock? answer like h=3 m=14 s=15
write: h=2 m=51 s=23
